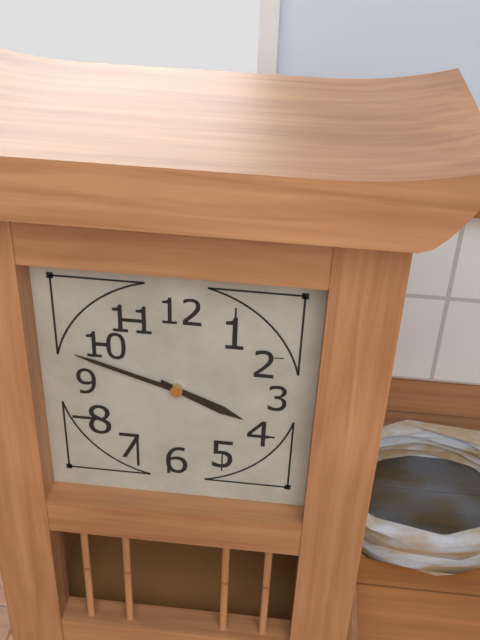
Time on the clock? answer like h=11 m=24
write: h=3 m=48
